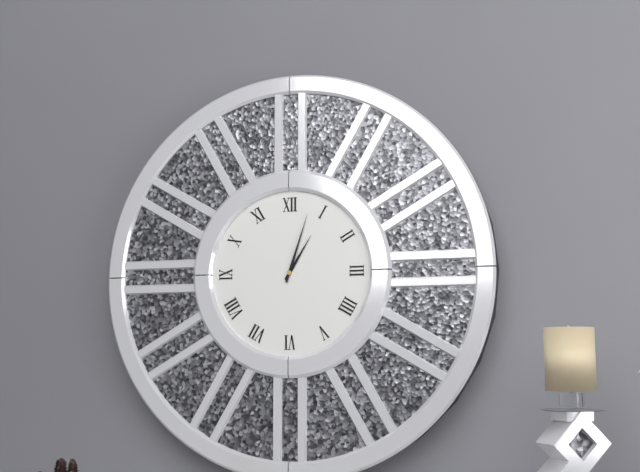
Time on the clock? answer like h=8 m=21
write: h=1 m=3
